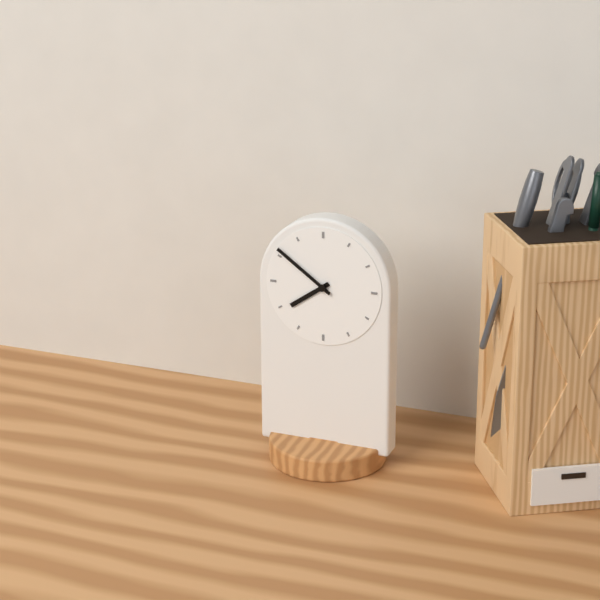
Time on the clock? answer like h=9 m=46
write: h=7 m=51
